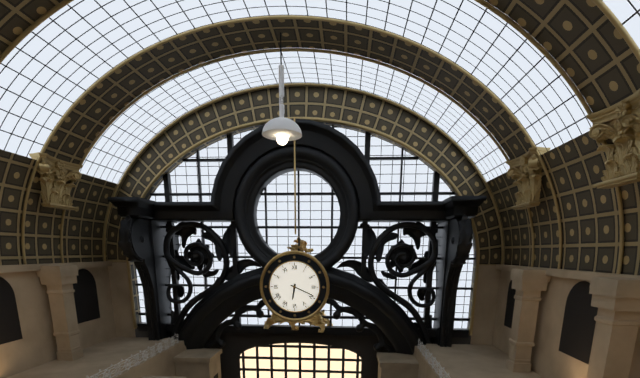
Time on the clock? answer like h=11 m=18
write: h=6 m=19
